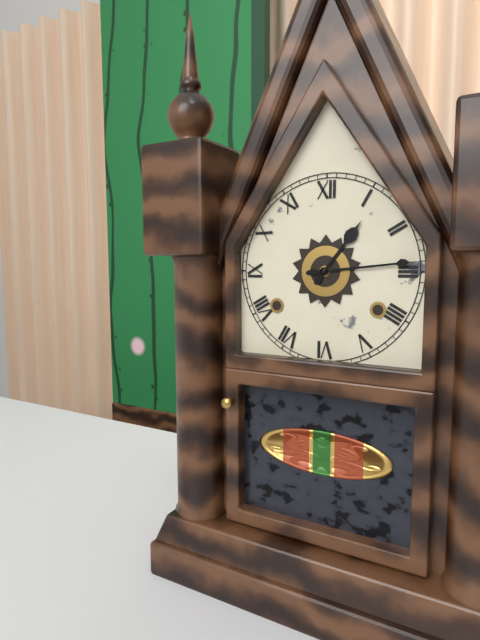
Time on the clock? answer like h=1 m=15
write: h=1 m=14
